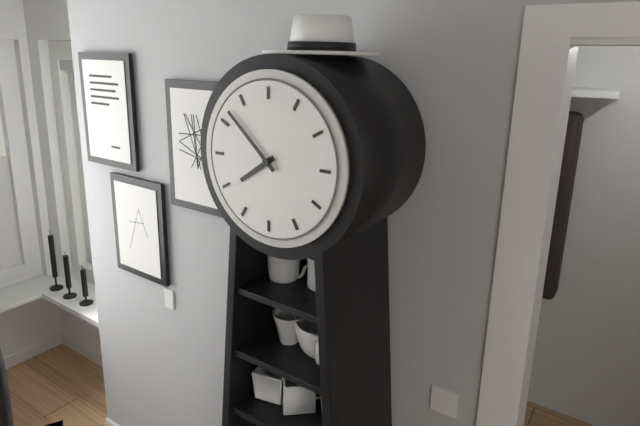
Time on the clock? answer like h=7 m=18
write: h=7 m=52
